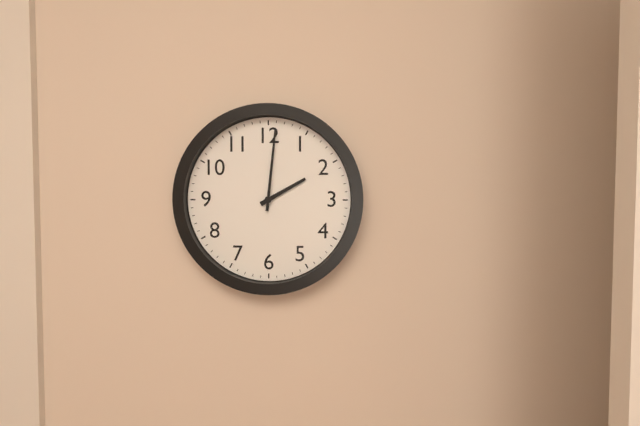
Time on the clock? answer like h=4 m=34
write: h=2 m=1
